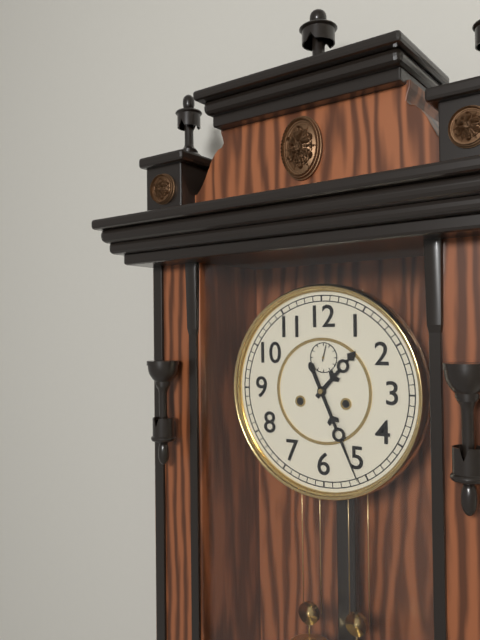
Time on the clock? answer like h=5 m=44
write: h=1 m=26
